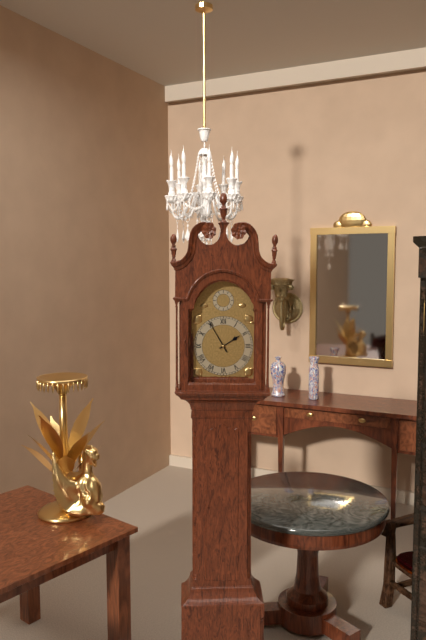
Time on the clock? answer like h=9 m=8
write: h=1 m=55
